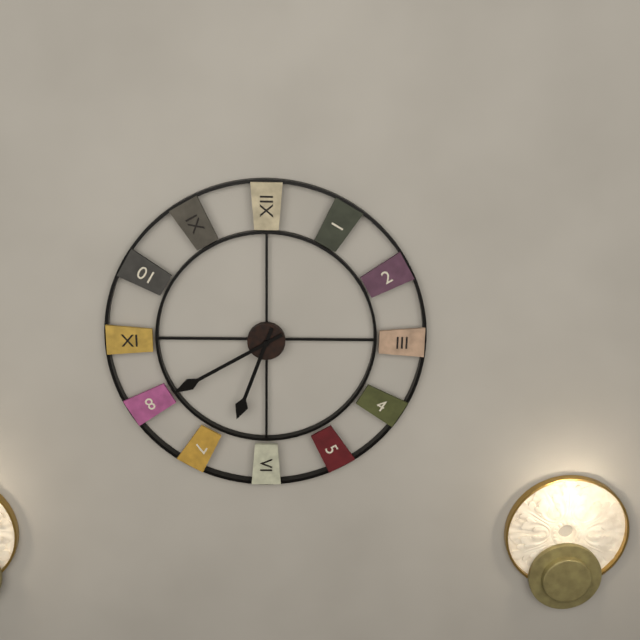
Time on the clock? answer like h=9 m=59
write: h=6 m=40
